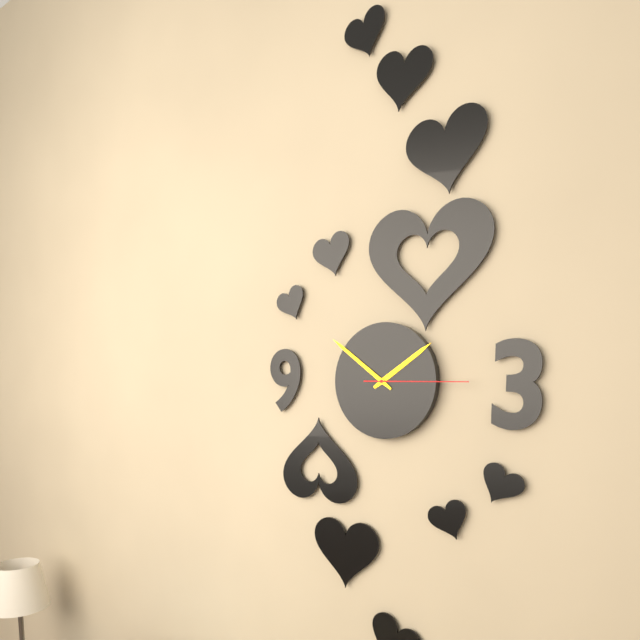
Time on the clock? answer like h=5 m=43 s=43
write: h=1 m=51 s=15
